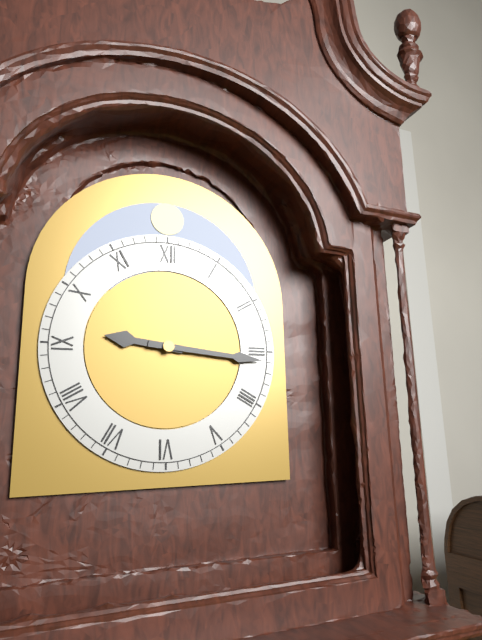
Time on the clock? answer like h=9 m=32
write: h=9 m=16
